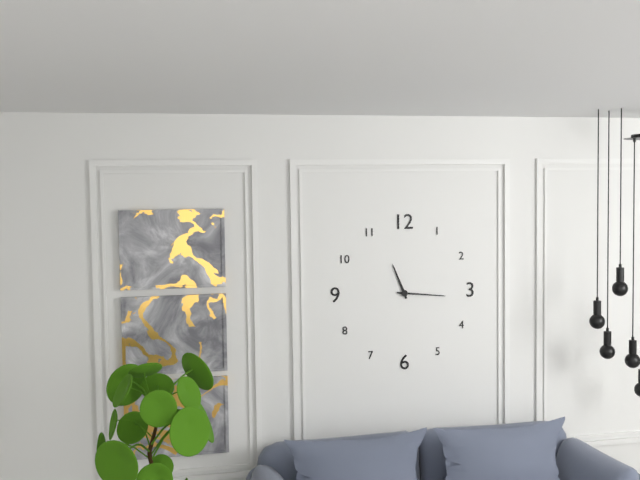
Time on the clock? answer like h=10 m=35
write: h=11 m=16
